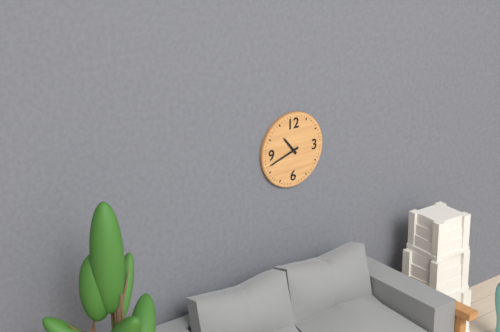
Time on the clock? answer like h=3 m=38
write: h=10 m=42
